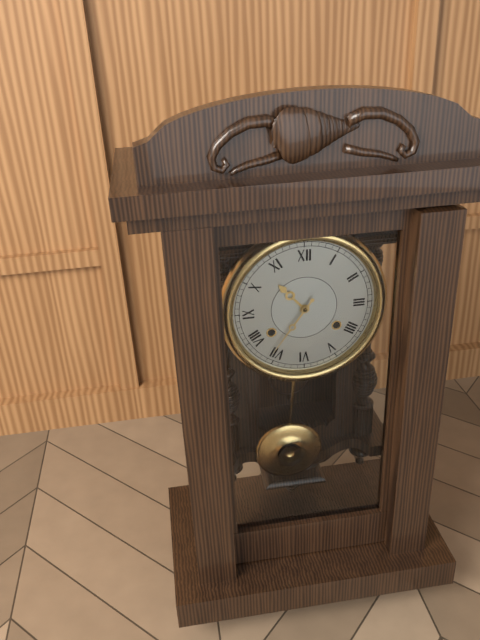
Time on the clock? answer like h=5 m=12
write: h=10 m=36
